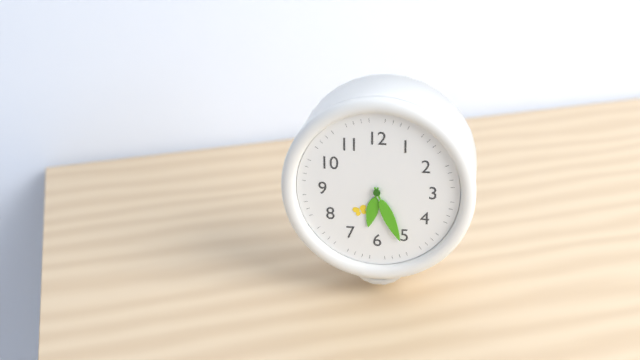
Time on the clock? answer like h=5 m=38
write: h=6 m=26
